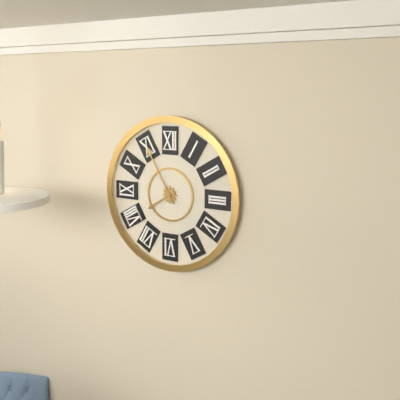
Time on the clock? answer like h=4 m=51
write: h=7 m=55
